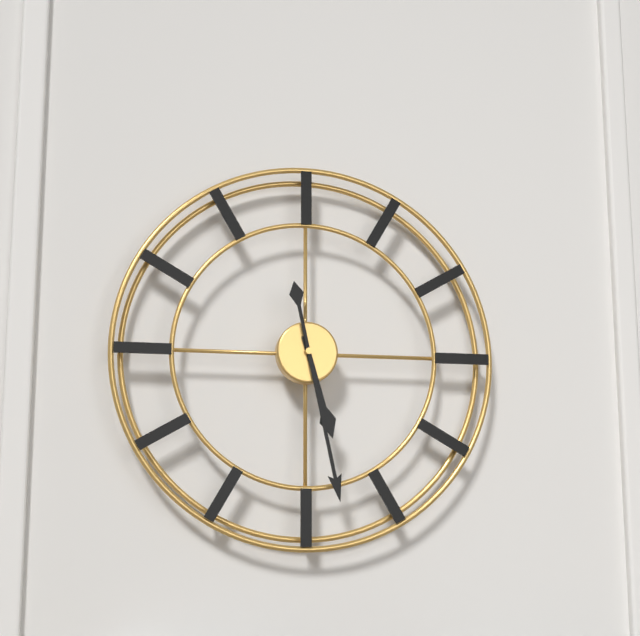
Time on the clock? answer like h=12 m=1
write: h=5 m=28
